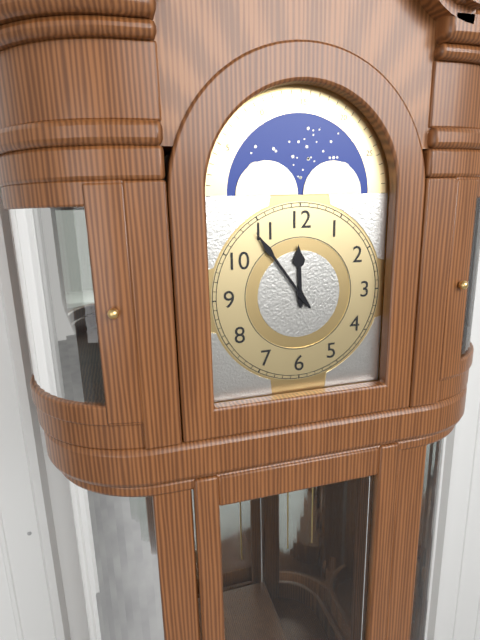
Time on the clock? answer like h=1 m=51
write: h=11 m=54
